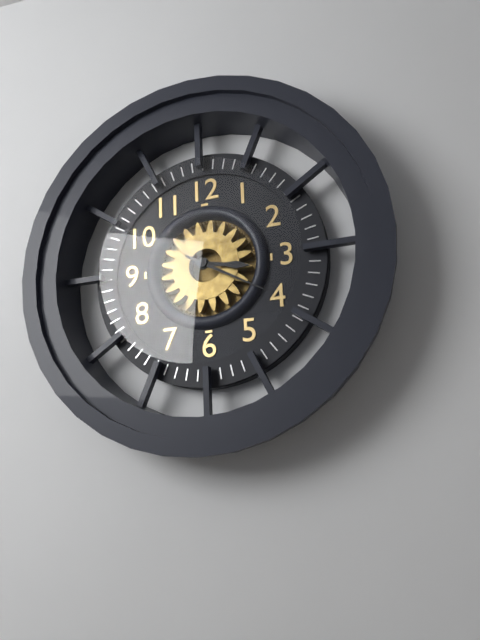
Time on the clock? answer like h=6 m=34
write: h=3 m=20
